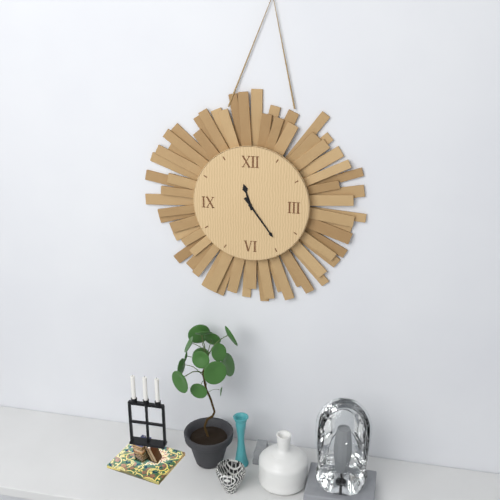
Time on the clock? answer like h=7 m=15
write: h=11 m=24
